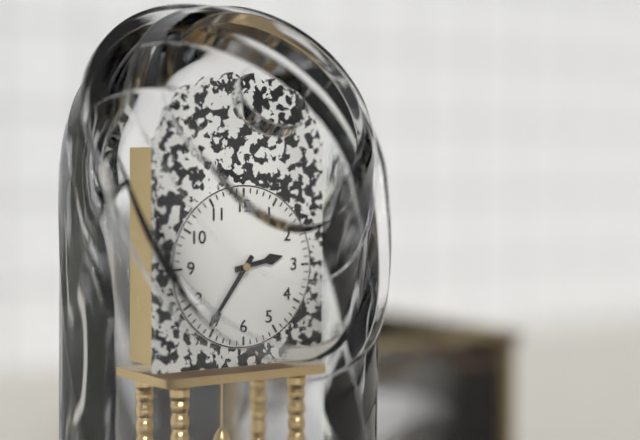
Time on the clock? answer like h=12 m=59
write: h=2 m=36
